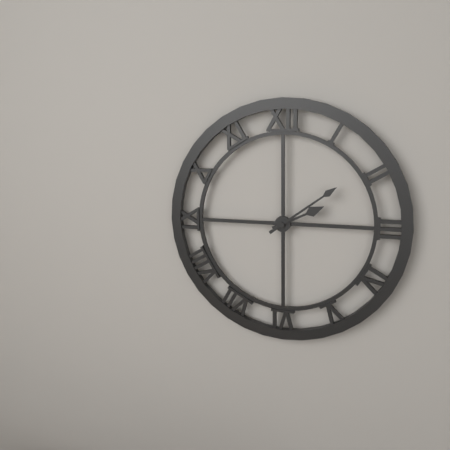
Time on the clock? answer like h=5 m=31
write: h=2 m=9
